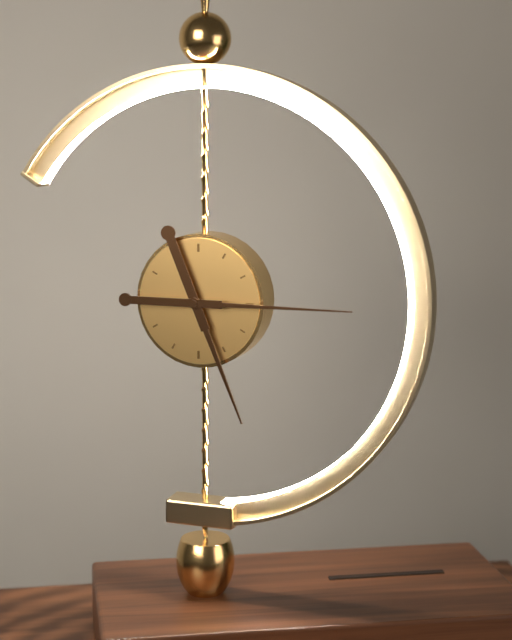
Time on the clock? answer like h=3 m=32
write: h=5 m=15
